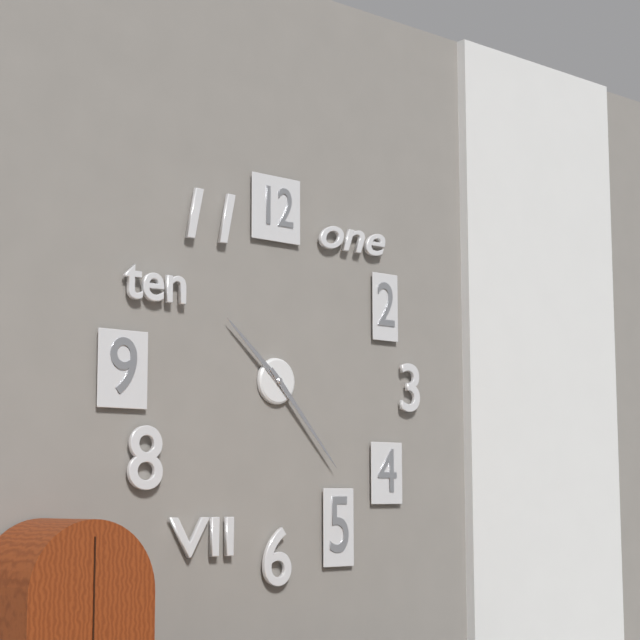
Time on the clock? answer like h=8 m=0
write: h=10 m=23
